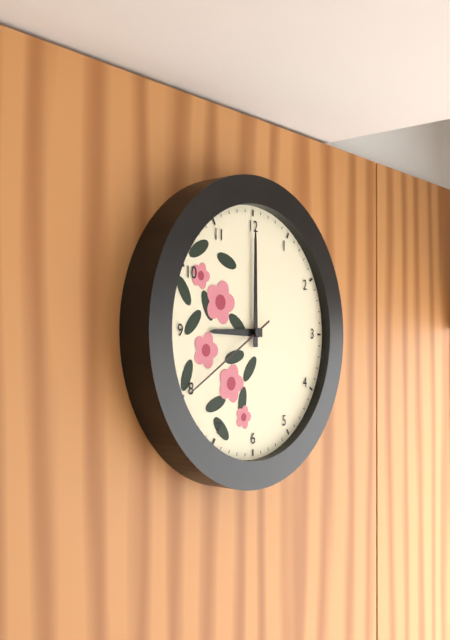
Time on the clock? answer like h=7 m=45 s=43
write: h=9 m=0 s=40
